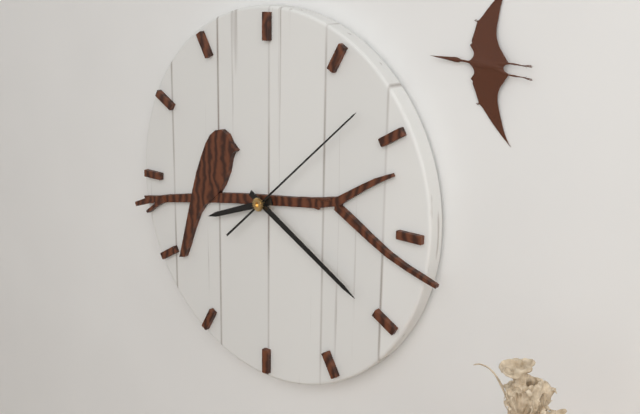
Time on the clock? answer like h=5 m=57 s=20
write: h=8 m=20 s=8
